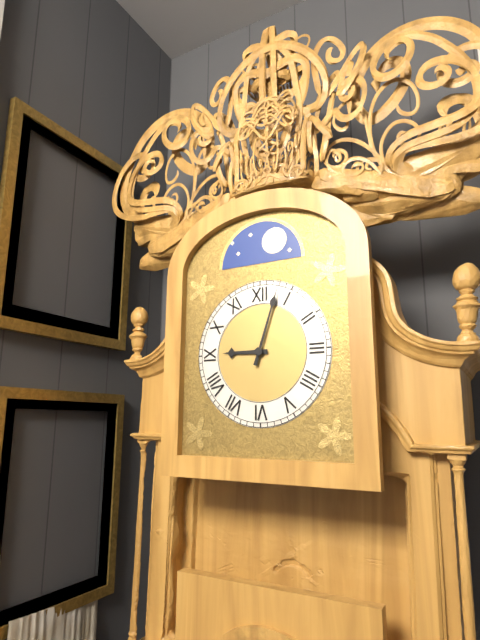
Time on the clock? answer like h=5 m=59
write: h=9 m=3
